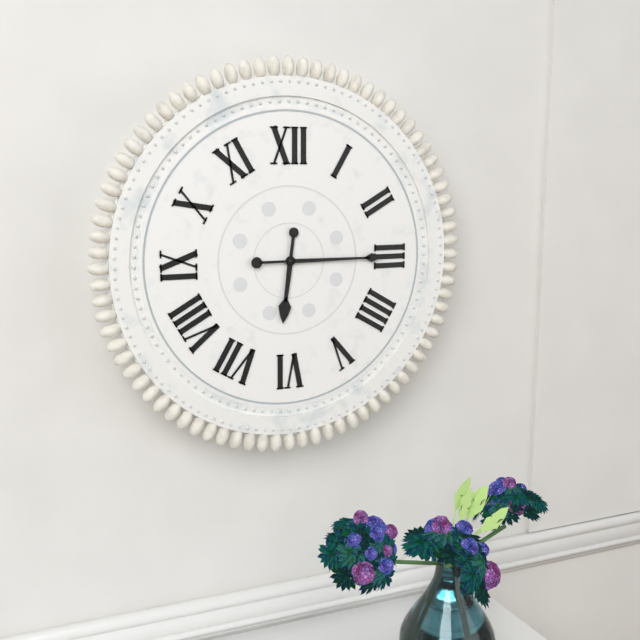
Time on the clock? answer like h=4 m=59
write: h=6 m=15
